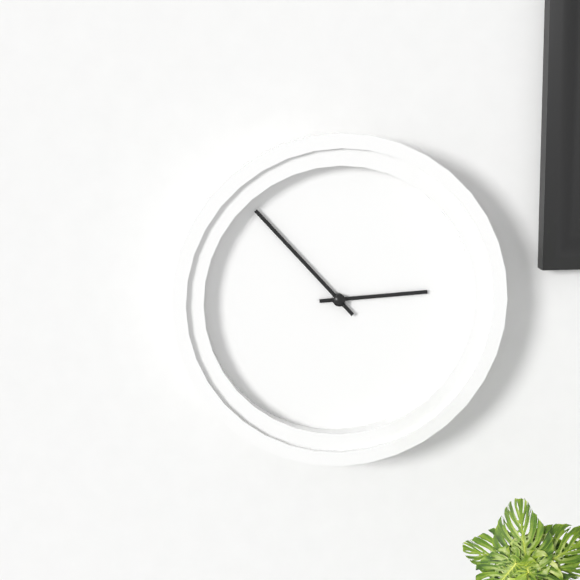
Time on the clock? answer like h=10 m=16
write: h=2 m=53
